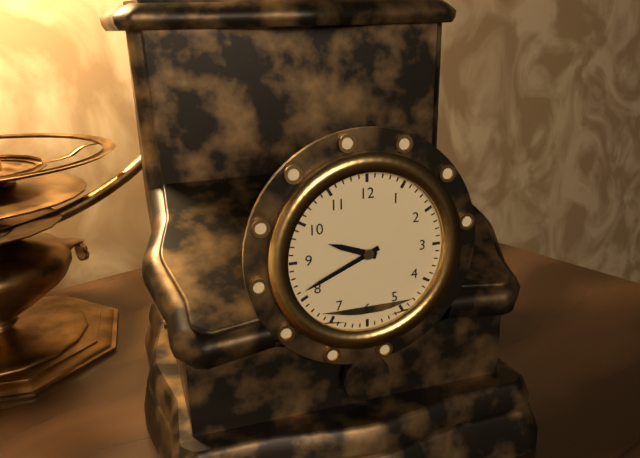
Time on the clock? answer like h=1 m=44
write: h=9 m=41
